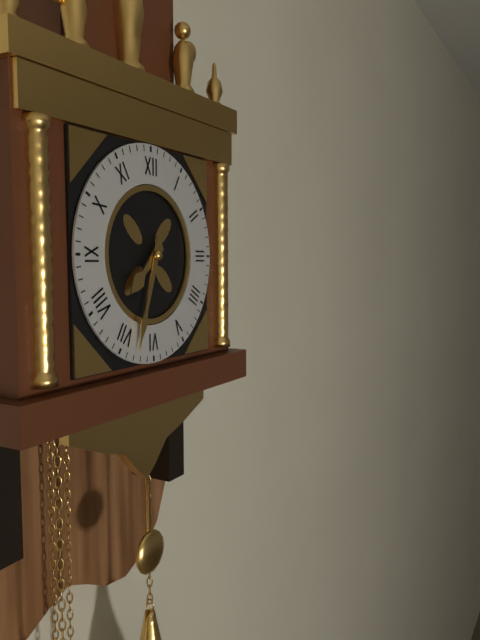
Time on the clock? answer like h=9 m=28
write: h=7 m=33
